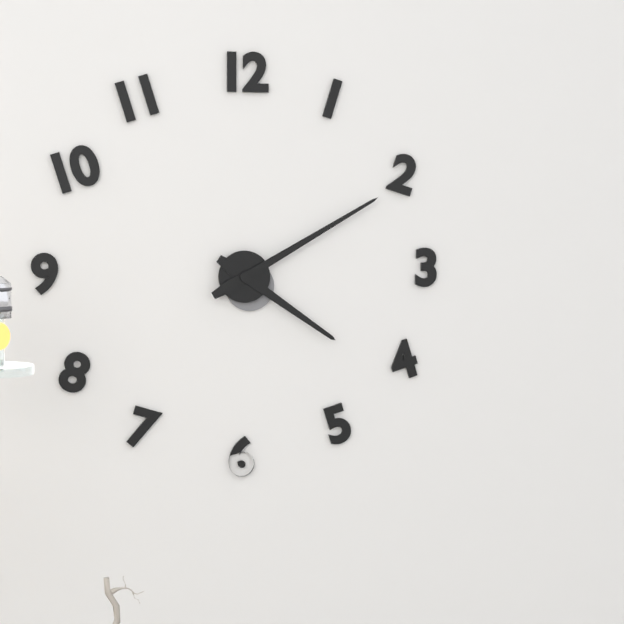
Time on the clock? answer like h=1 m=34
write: h=4 m=10
